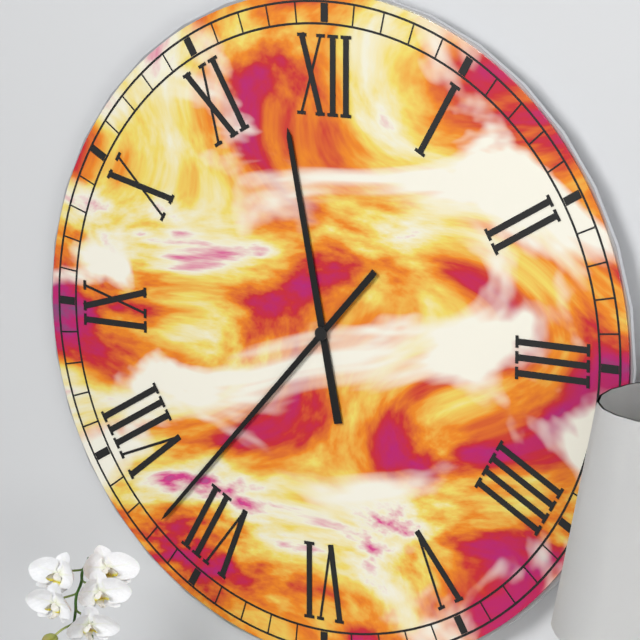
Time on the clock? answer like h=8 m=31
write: h=11 m=37
